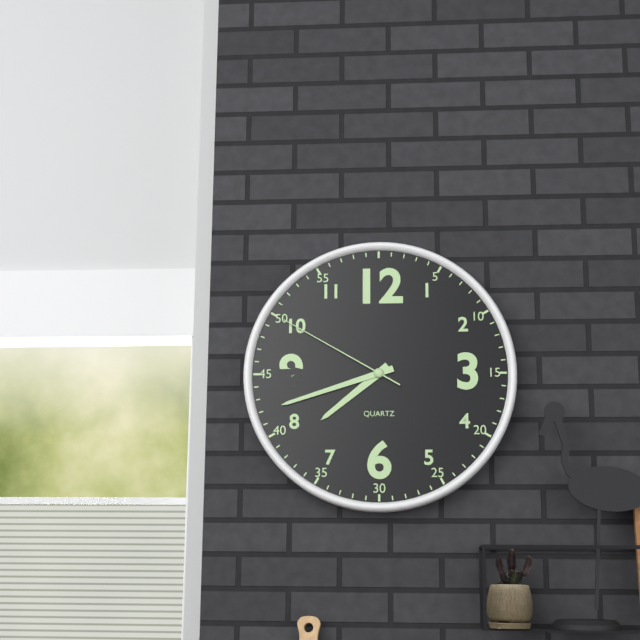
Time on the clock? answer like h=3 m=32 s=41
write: h=7 m=42 s=50
